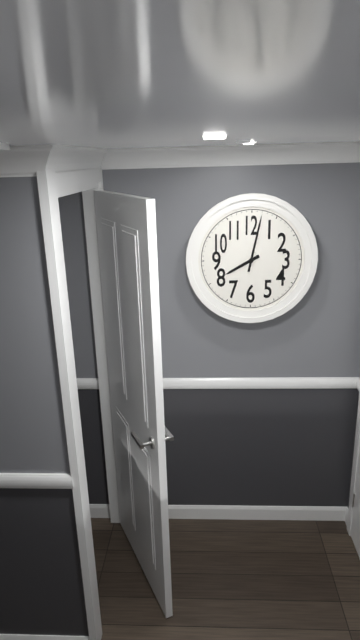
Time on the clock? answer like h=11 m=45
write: h=8 m=2
